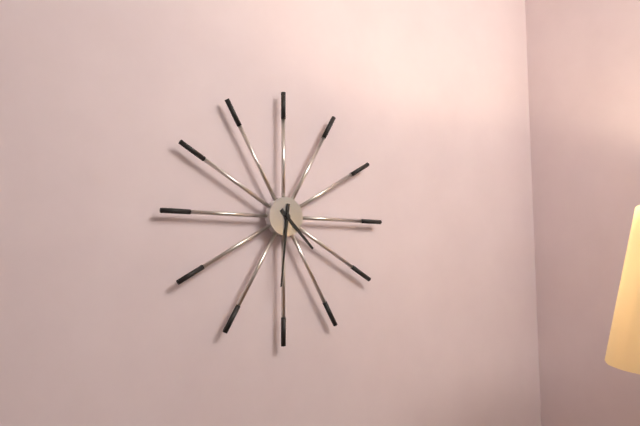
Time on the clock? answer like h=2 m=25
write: h=4 m=31
